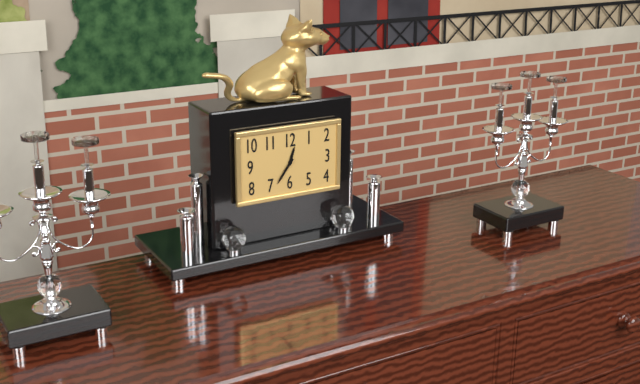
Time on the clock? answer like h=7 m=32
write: h=12 m=36
